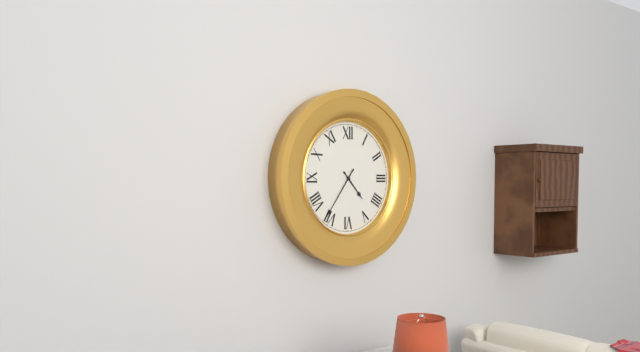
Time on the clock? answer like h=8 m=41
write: h=4 m=36
